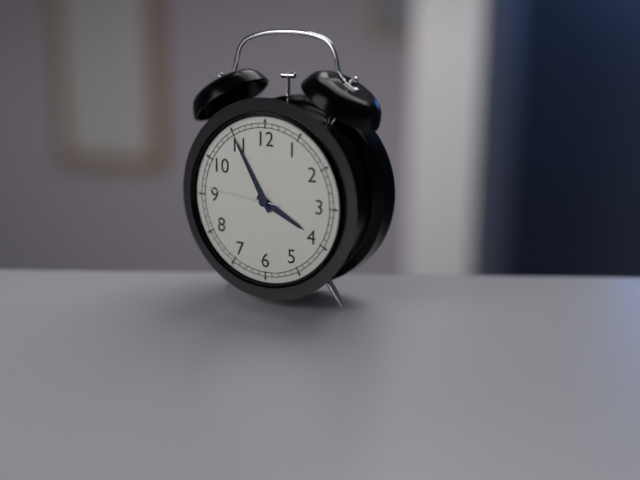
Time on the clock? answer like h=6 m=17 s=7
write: h=3 m=55 s=46
